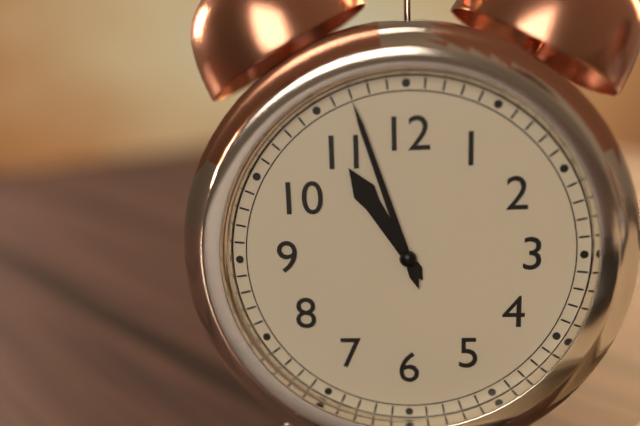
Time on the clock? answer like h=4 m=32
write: h=10 m=57
